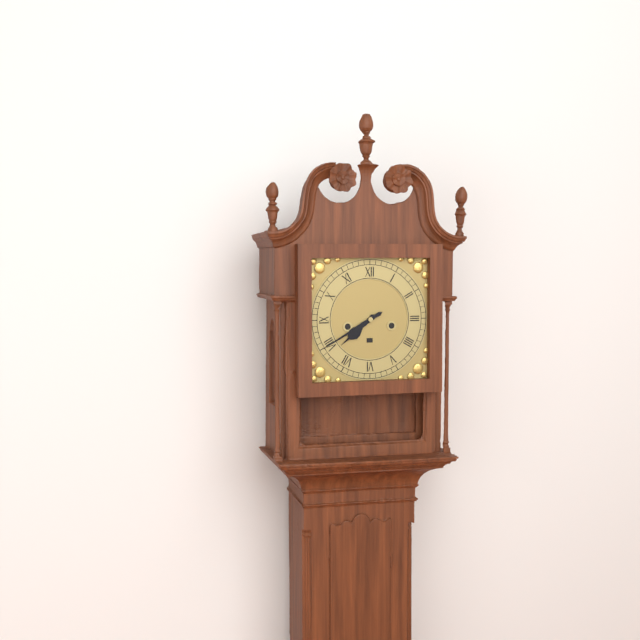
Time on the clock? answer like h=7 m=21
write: h=7 m=40
